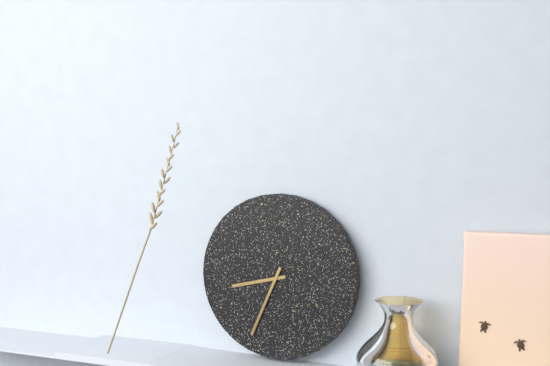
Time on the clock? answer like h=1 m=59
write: h=8 m=34
